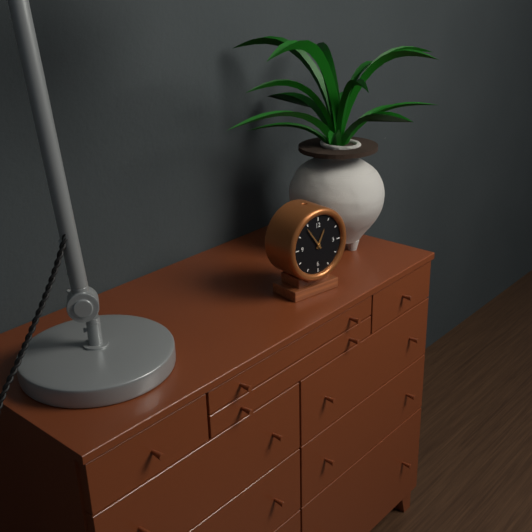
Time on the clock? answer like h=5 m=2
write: h=12 m=54
